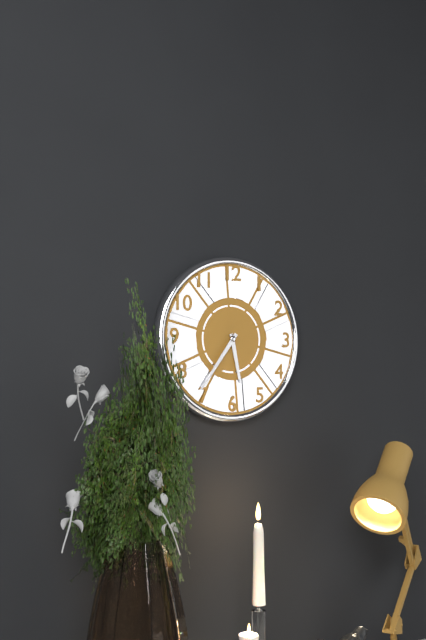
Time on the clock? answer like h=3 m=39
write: h=5 m=36
